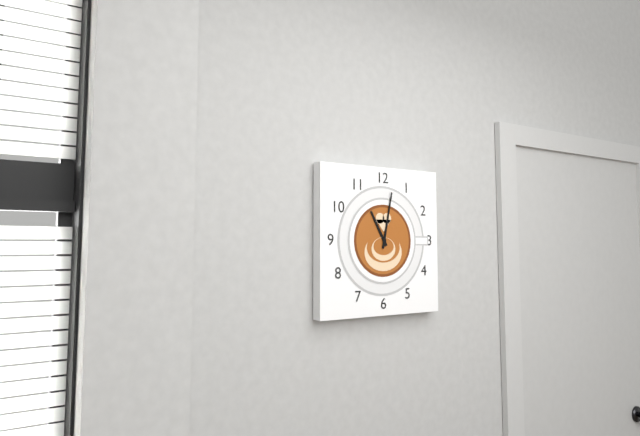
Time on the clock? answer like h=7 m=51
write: h=11 m=2
